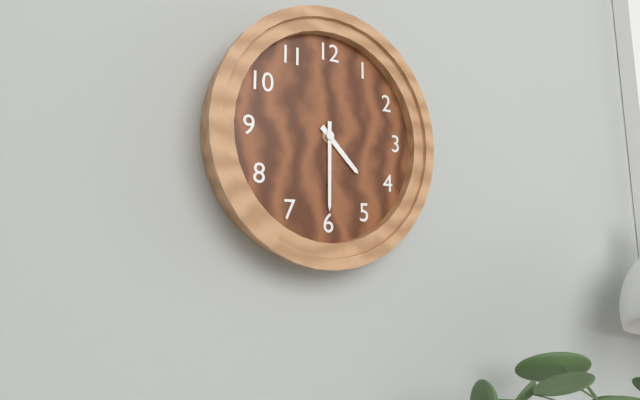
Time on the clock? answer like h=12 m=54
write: h=4 m=30
